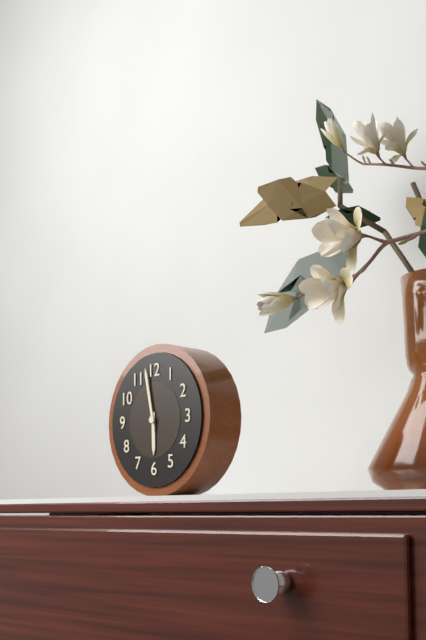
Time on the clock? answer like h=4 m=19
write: h=5 m=58
